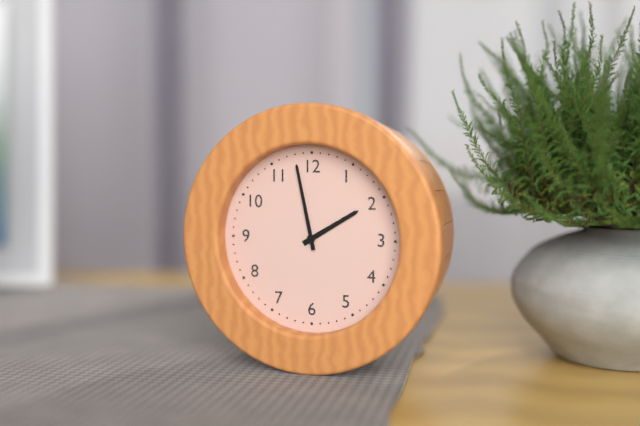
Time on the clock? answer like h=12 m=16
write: h=1 m=58
